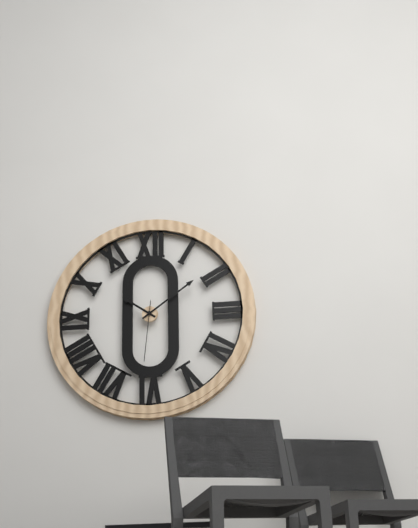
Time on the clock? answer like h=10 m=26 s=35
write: h=10 m=9 s=31
